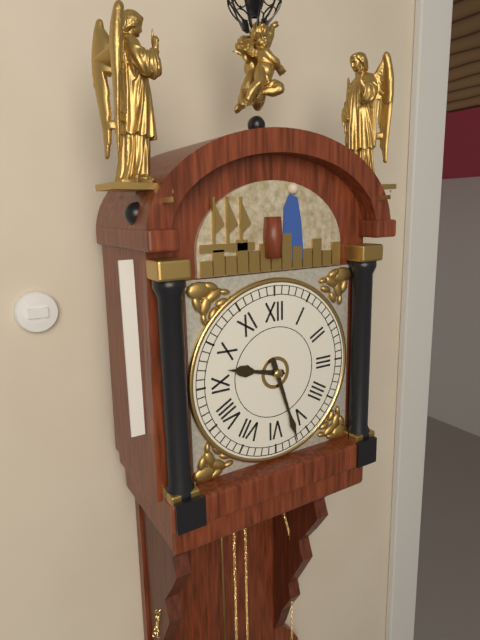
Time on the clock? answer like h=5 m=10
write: h=9 m=27
